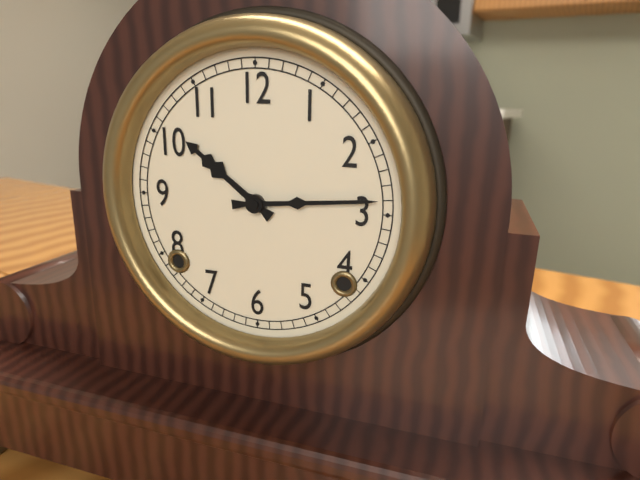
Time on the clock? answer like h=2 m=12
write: h=10 m=14
